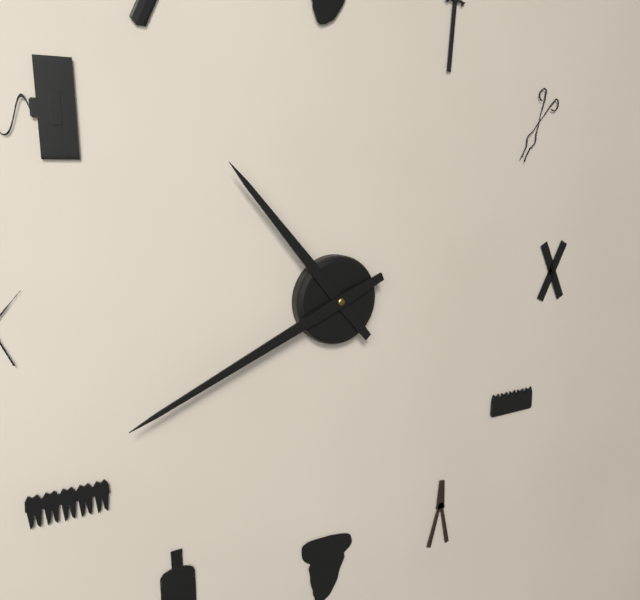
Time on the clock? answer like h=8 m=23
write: h=10 m=41
